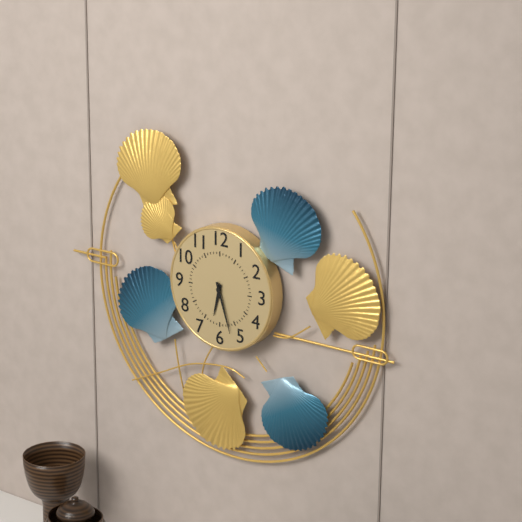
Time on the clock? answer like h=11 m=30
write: h=6 m=27
